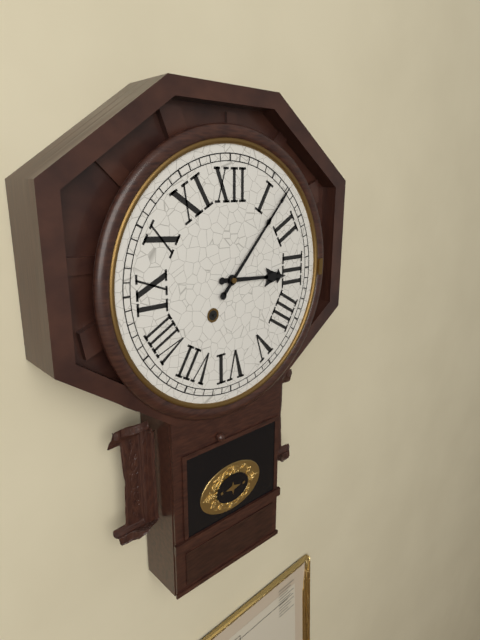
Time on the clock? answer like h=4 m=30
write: h=3 m=7
